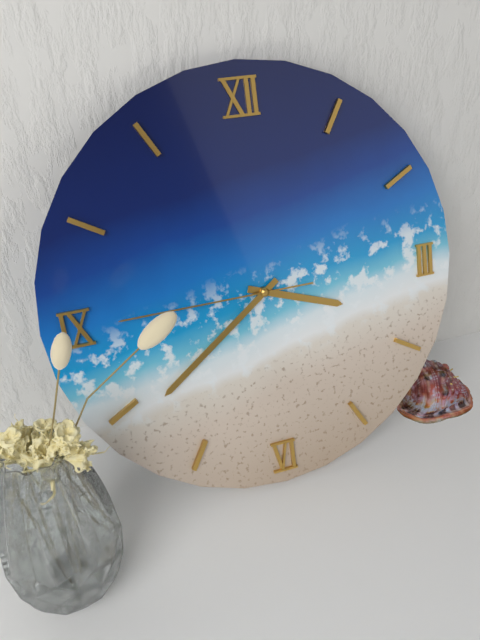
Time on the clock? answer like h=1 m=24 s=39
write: h=3 m=39 s=45
